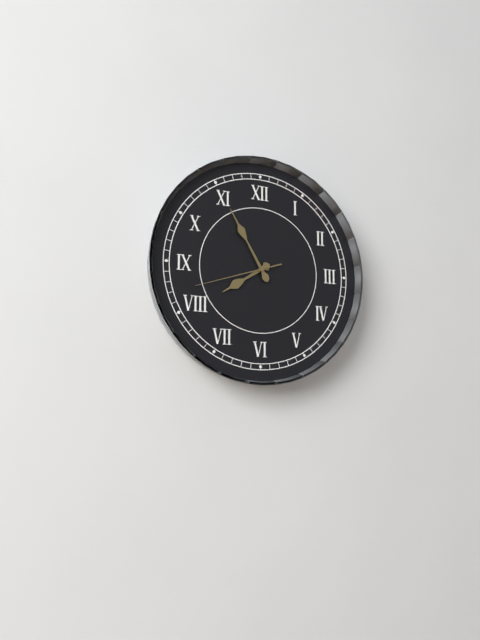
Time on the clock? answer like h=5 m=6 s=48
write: h=7 m=55 s=42
